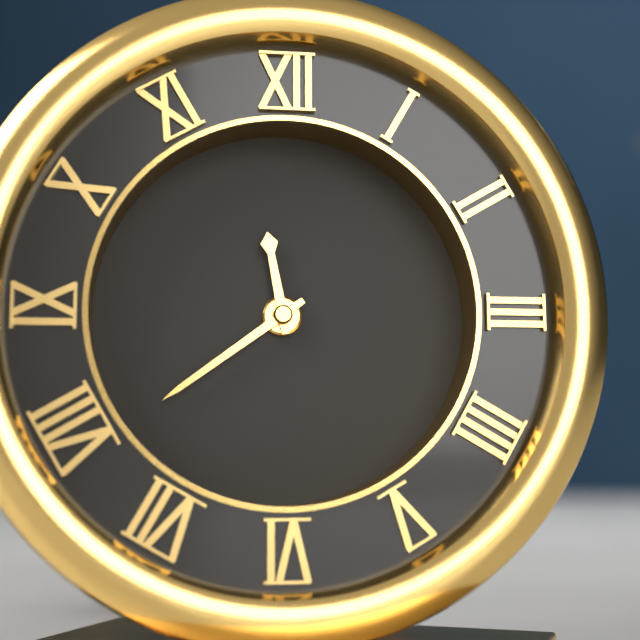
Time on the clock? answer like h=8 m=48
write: h=11 m=39
